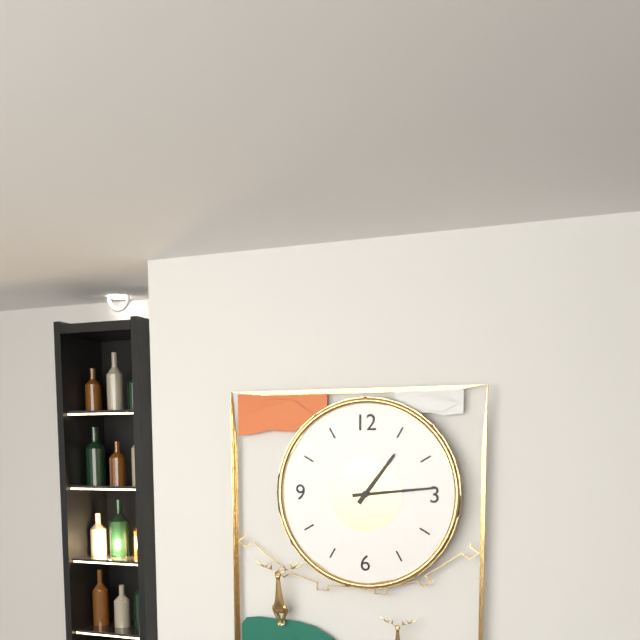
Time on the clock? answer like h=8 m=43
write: h=1 m=14
